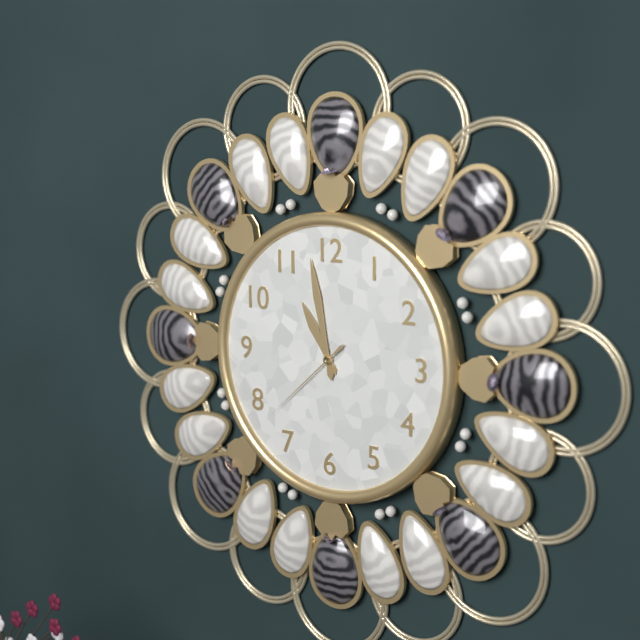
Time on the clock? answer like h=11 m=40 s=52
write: h=10 m=58 s=38
